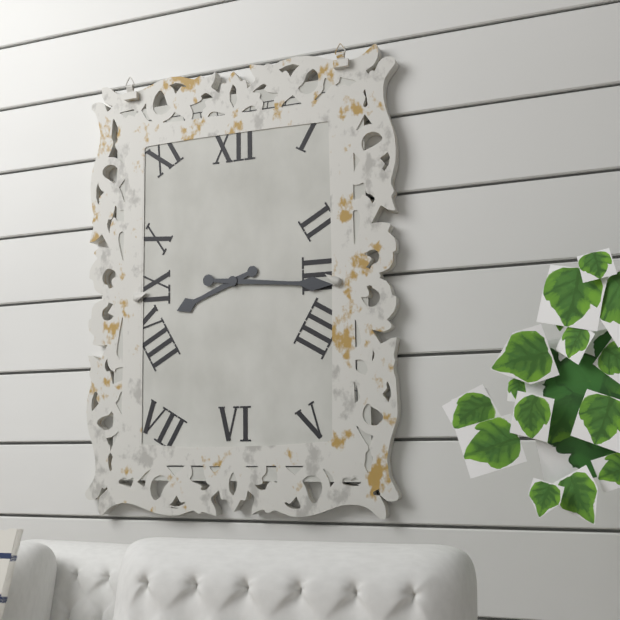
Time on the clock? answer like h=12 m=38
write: h=8 m=16
